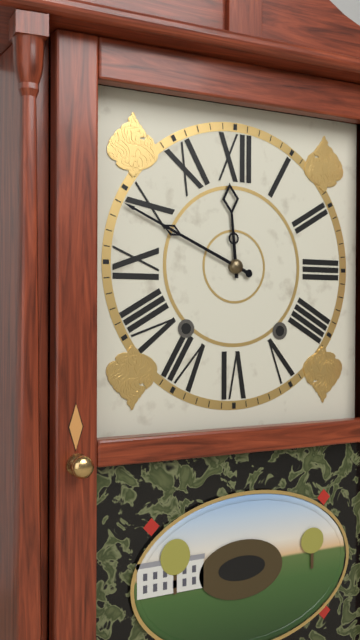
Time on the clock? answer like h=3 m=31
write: h=11 m=49
